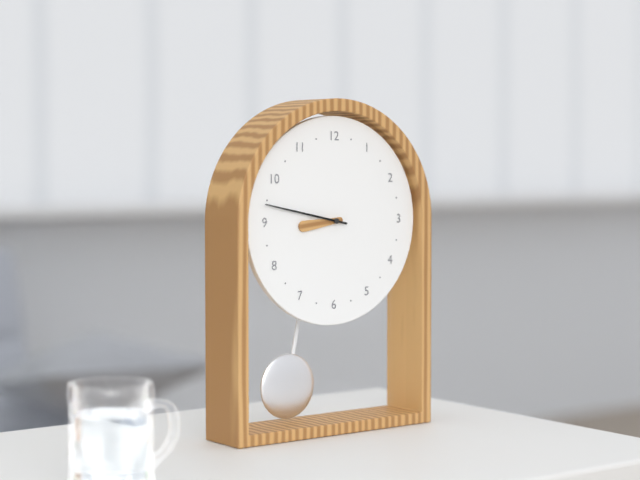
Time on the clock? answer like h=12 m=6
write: h=8 m=47
